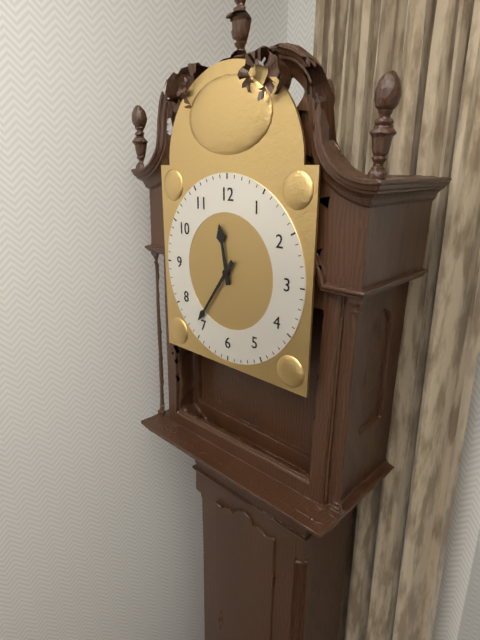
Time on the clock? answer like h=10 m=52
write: h=11 m=36
